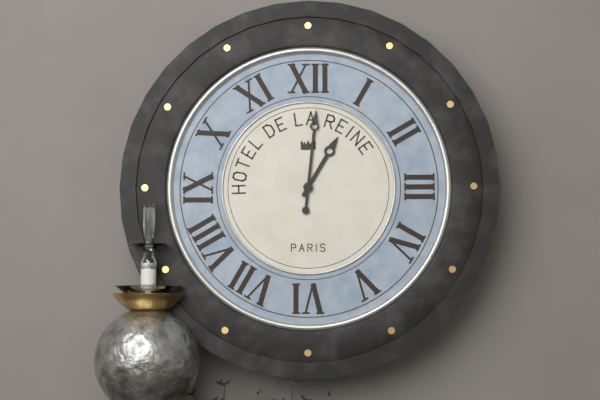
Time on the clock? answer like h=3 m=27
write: h=1 m=1
